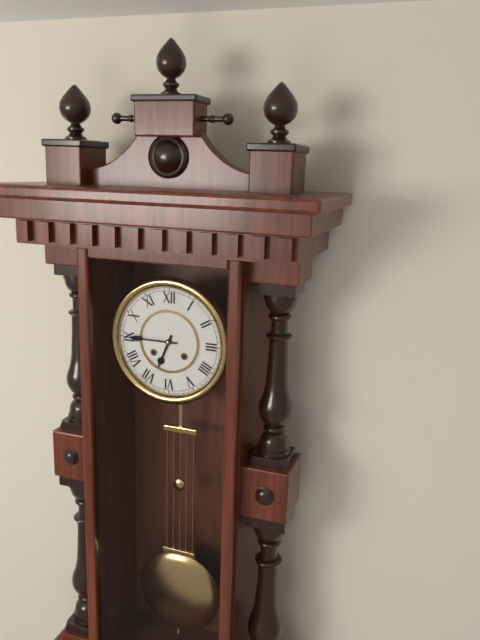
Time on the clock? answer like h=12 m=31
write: h=6 m=45
